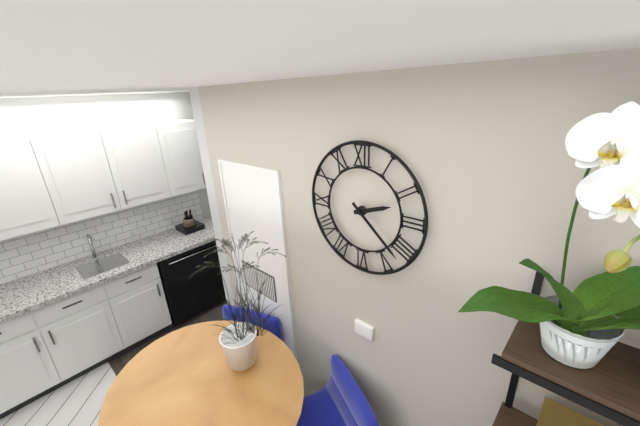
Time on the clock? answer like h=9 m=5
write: h=2 m=22
